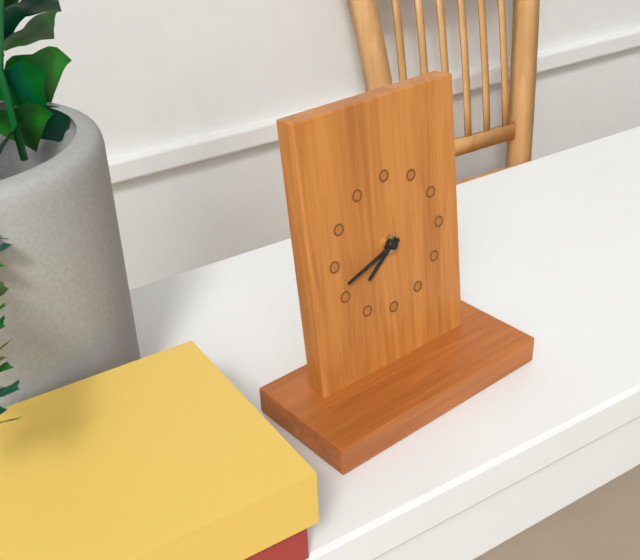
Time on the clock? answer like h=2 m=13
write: h=7 m=42
